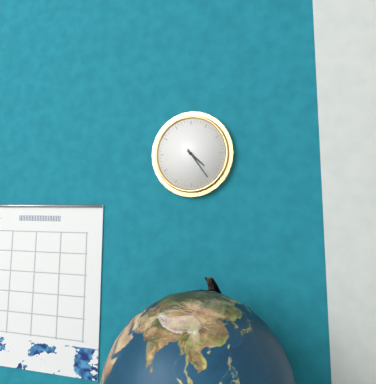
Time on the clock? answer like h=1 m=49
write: h=4 m=24
